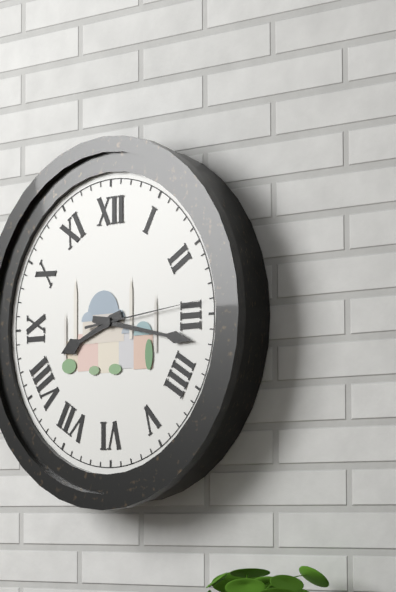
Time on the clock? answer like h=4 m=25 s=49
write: h=8 m=17 s=14
